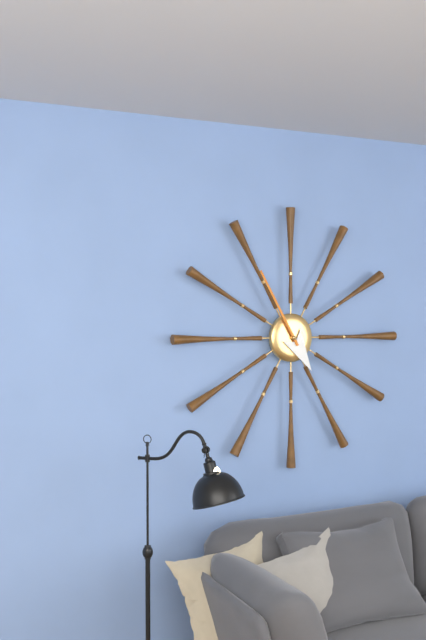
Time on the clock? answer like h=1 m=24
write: h=4 m=55
